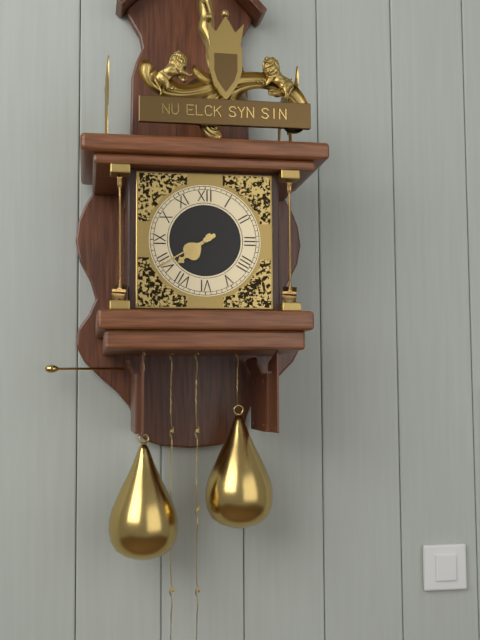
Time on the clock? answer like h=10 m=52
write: h=7 m=40
